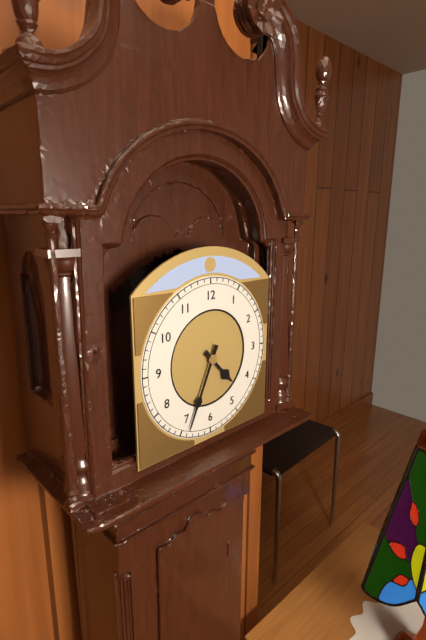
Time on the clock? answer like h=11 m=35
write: h=4 m=34
